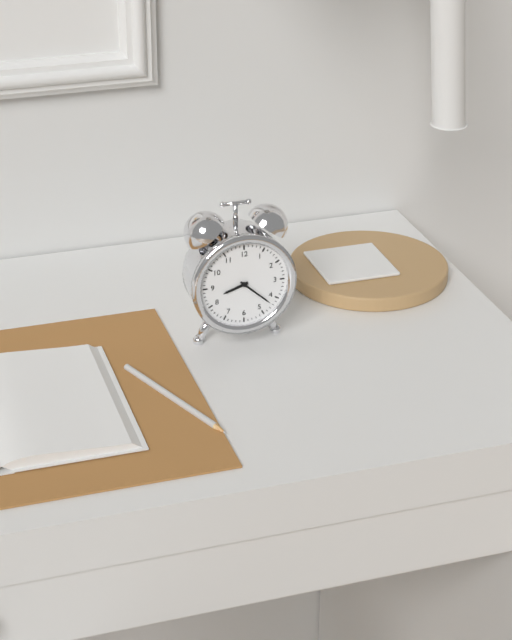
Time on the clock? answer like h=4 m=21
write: h=8 m=22
